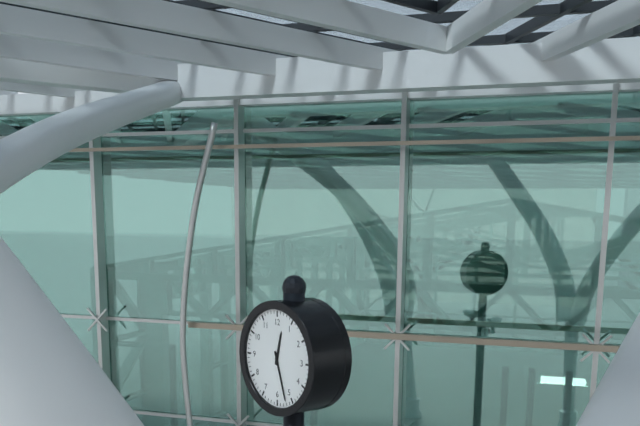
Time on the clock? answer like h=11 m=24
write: h=12 m=27
